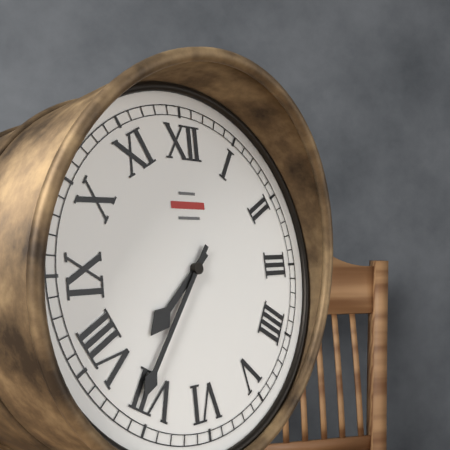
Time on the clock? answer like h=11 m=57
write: h=7 m=36
